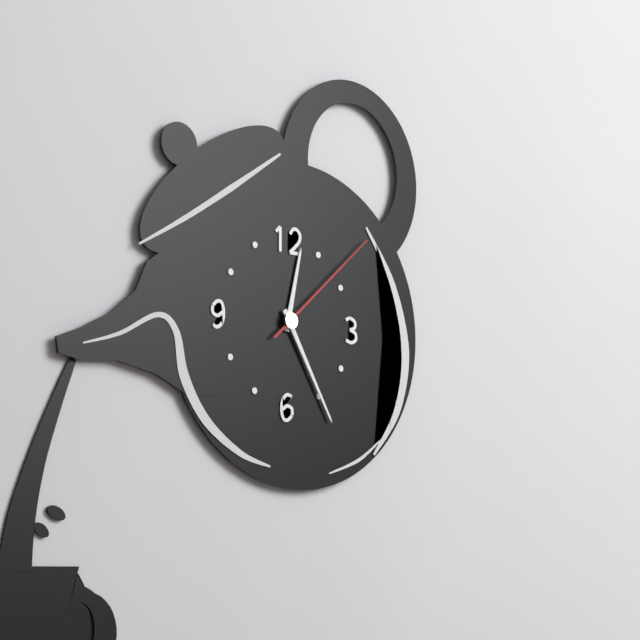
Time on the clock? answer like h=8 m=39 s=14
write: h=12 m=25 s=8
